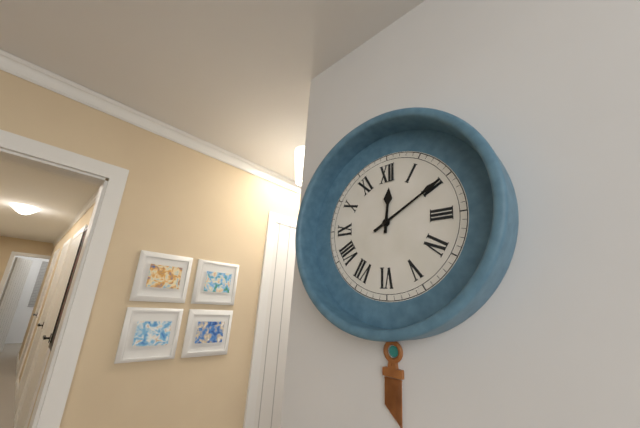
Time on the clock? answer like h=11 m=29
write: h=12 m=10
